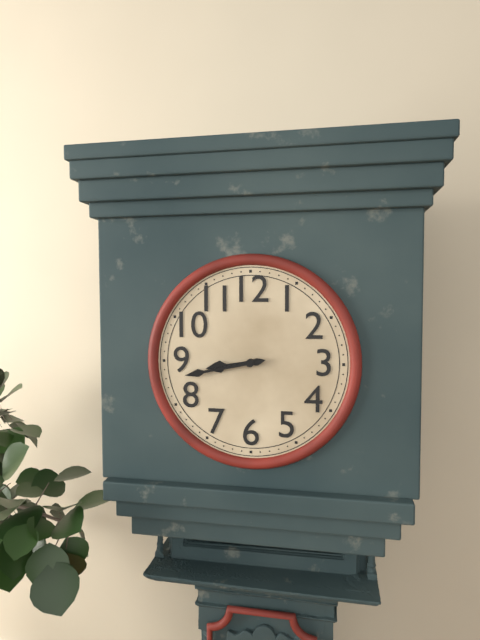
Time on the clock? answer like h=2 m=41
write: h=8 m=43
